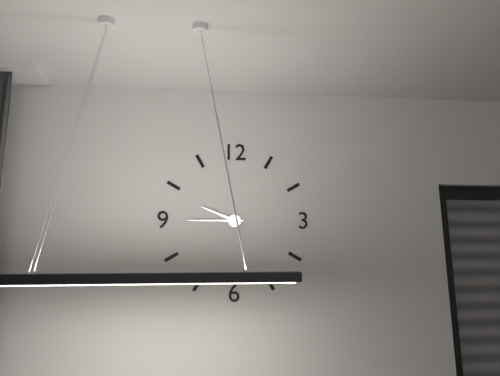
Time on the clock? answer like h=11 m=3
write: h=9 m=45
